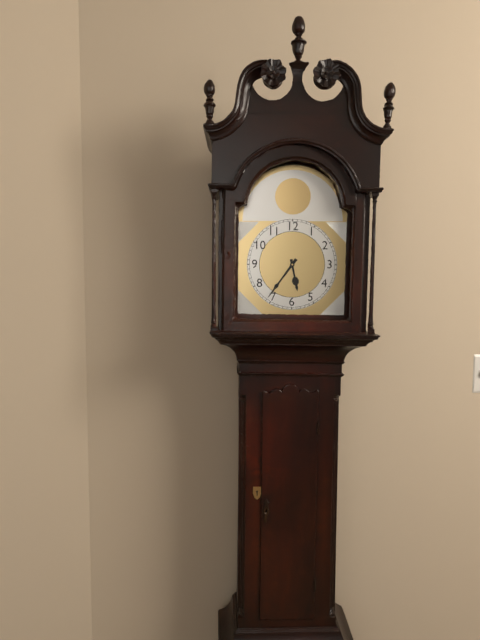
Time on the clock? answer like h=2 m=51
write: h=5 m=36
